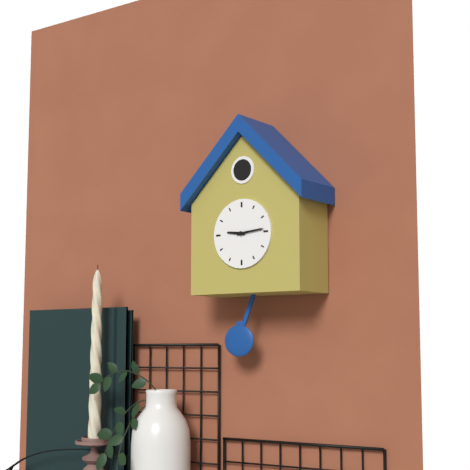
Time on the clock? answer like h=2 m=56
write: h=9 m=14
